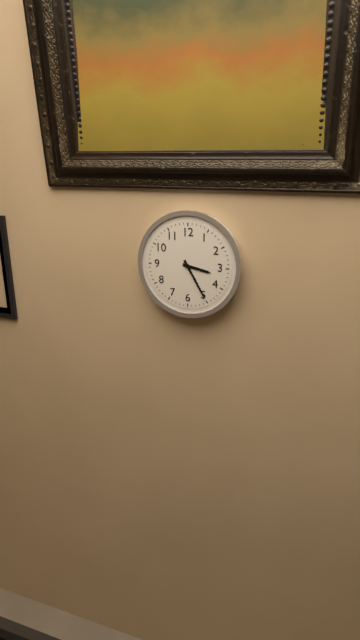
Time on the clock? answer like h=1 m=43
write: h=3 m=25
